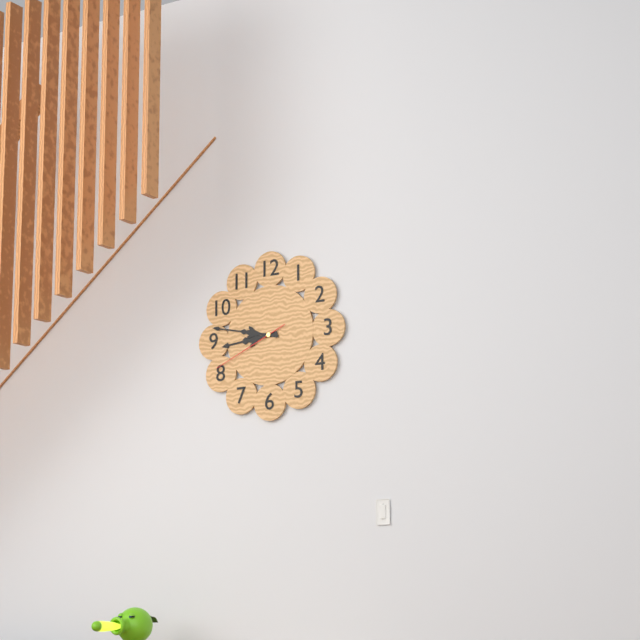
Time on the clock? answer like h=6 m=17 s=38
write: h=8 m=47 s=41
